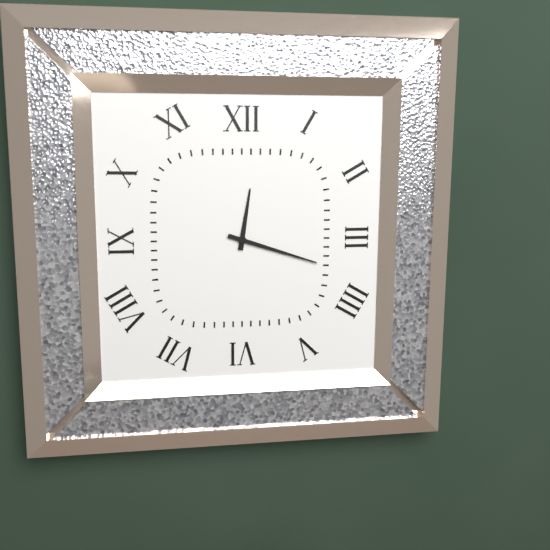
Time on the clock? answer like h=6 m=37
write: h=12 m=18
